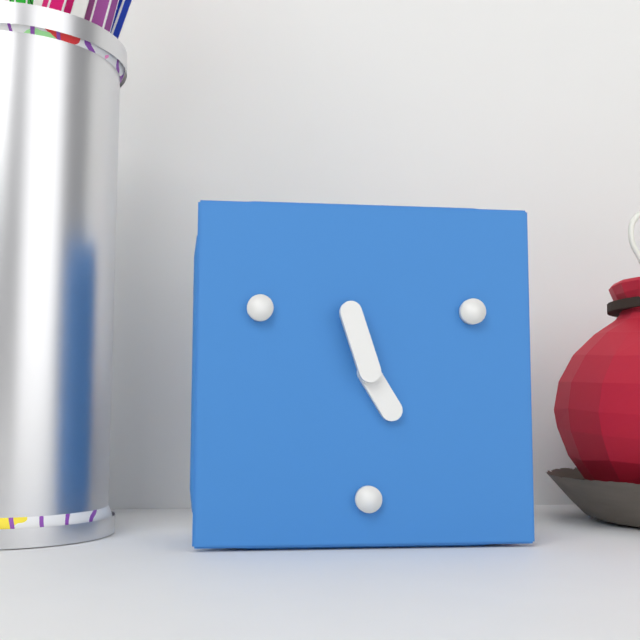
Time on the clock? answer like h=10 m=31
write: h=4 m=57
